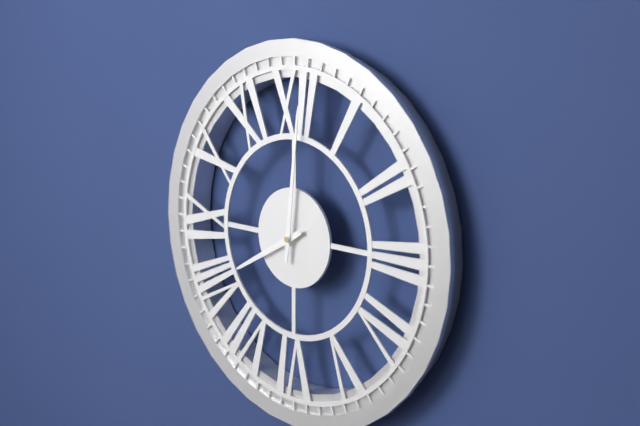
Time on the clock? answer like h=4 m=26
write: h=8 m=1
